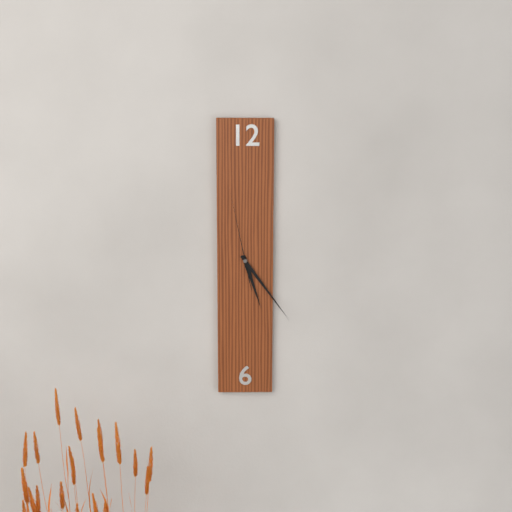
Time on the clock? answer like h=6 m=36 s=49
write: h=5 m=24 s=58
